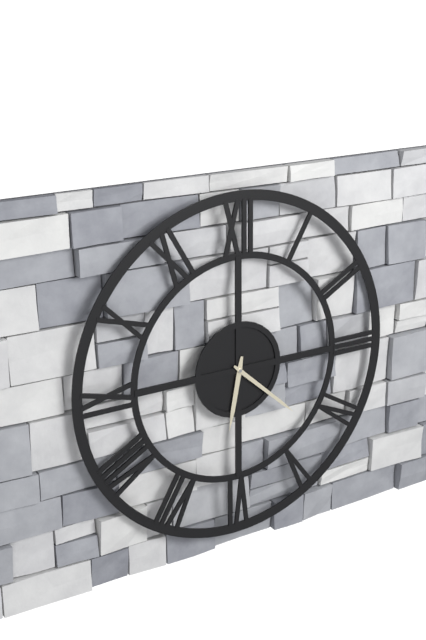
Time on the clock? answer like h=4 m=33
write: h=6 m=22
